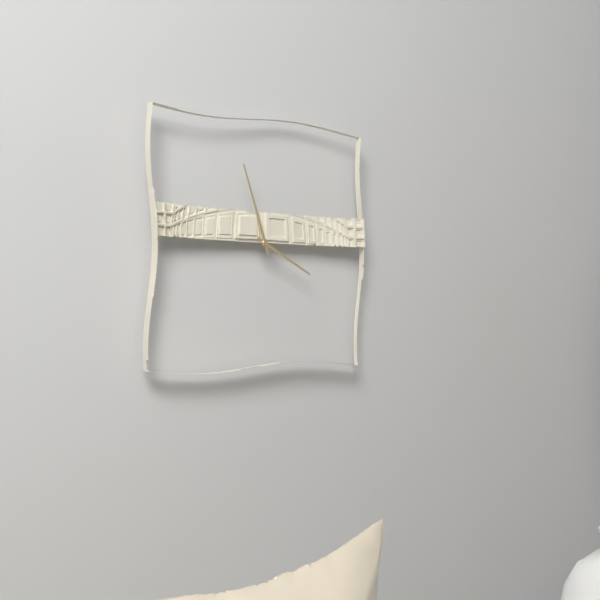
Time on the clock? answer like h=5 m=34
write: h=3 m=57
